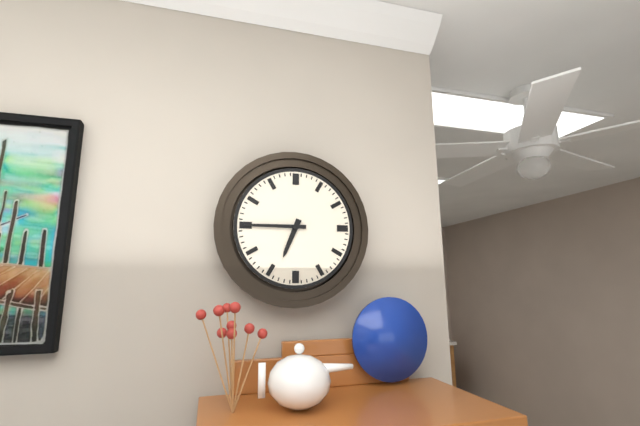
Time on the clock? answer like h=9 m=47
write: h=6 m=45
